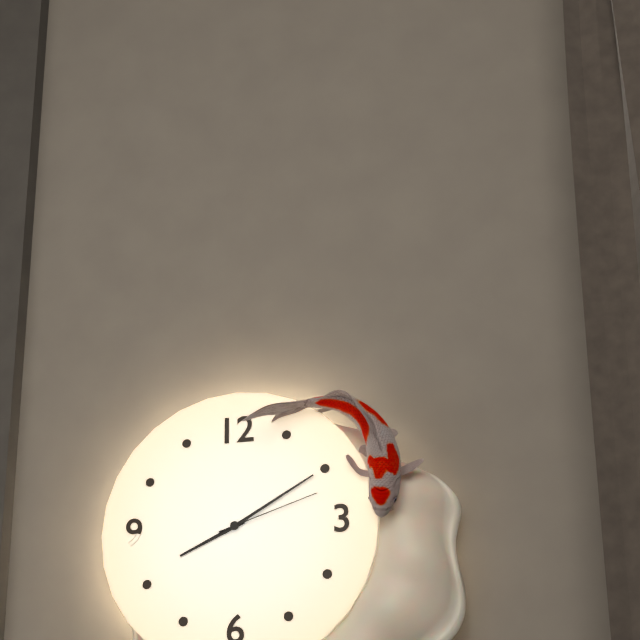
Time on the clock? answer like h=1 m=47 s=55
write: h=8 m=10 s=12
